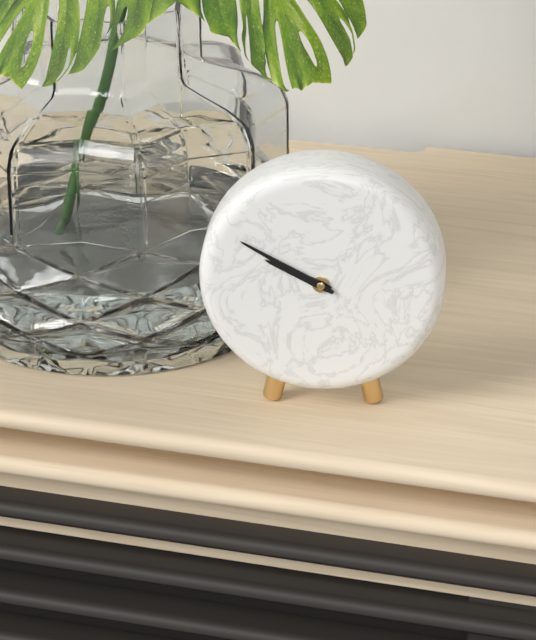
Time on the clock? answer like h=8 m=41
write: h=9 m=50
